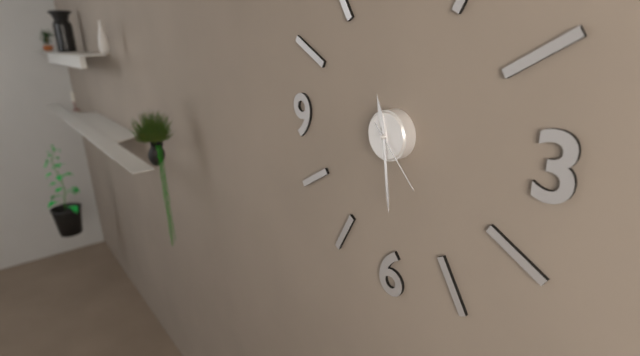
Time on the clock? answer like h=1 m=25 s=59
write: h=11 m=29 s=23
